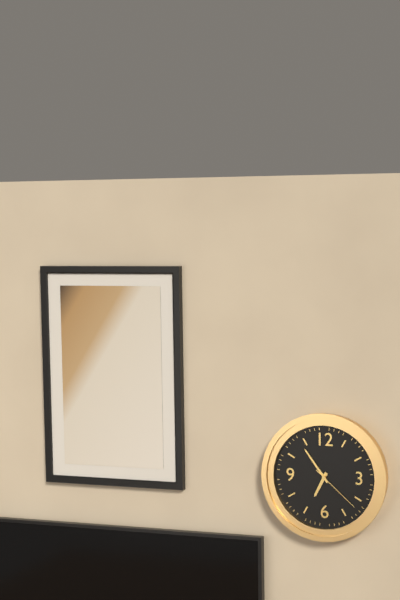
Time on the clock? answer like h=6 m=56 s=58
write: h=6 m=54 s=22
